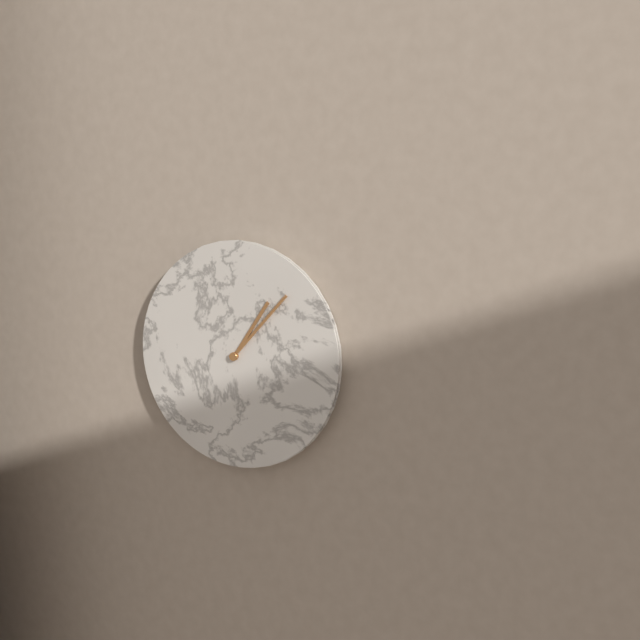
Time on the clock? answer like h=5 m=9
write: h=1 m=7
